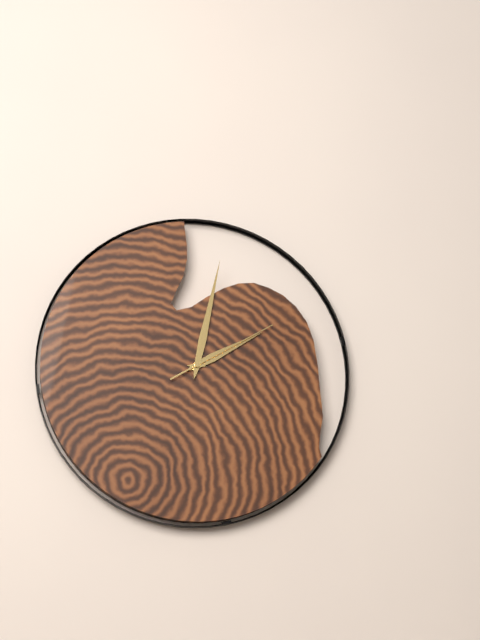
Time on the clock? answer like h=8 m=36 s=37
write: h=2 m=2 s=10
